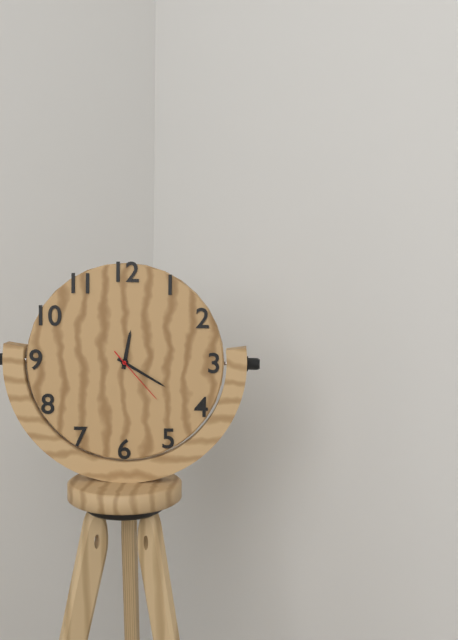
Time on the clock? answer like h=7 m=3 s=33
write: h=12 m=20 s=23
